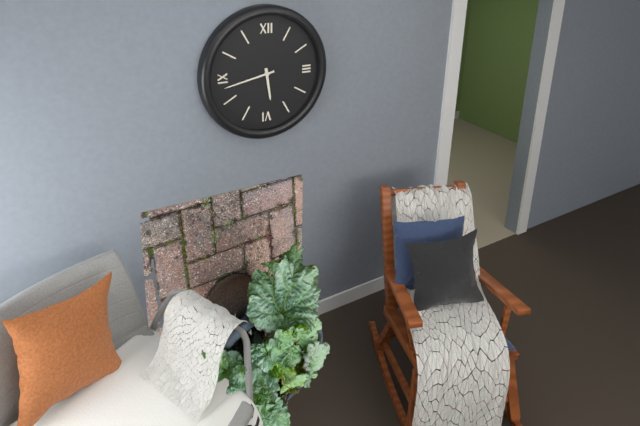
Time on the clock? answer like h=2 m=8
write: h=5 m=43
